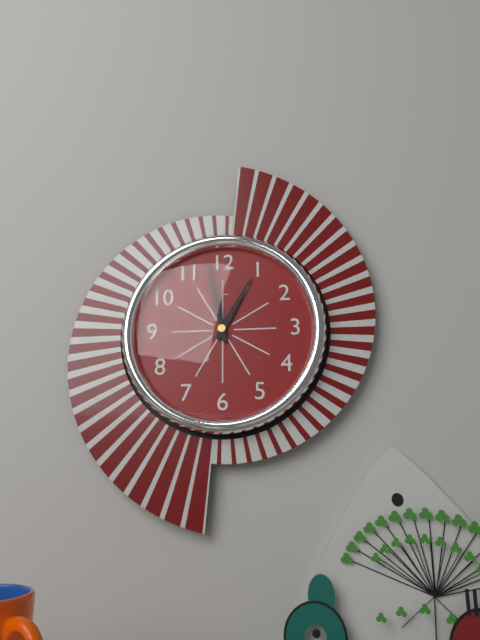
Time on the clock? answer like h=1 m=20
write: h=12 m=58
